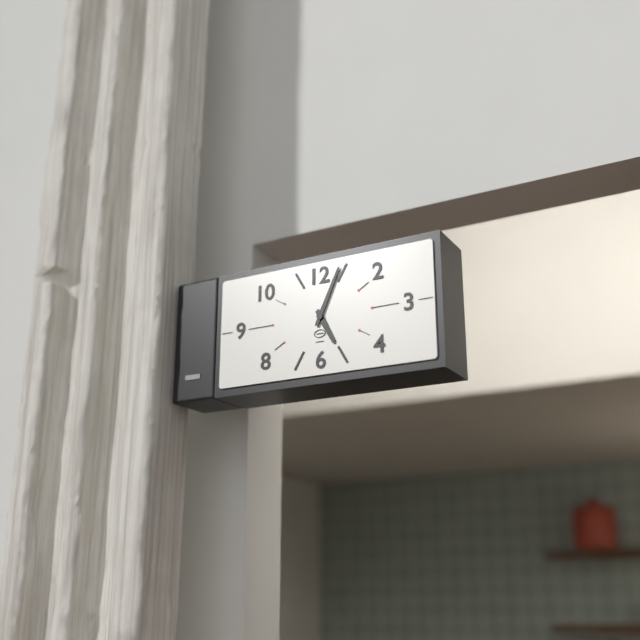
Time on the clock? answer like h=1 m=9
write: h=5 m=4
